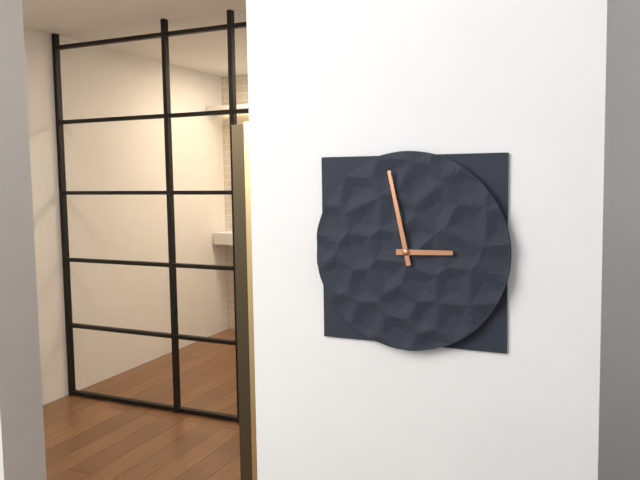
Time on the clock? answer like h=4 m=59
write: h=2 m=58
